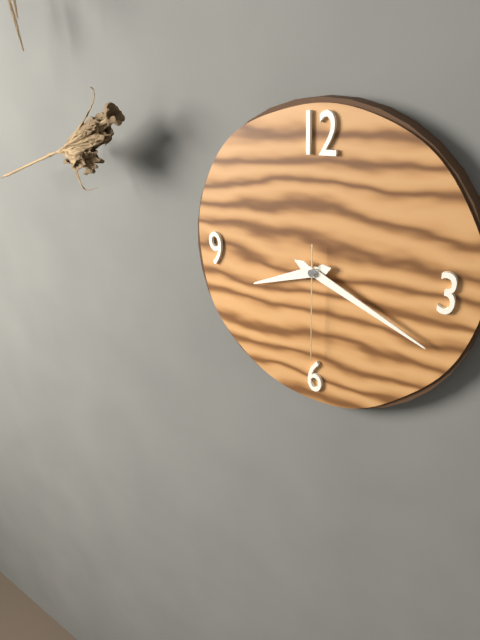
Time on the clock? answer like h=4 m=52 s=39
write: h=8 m=19 s=30
